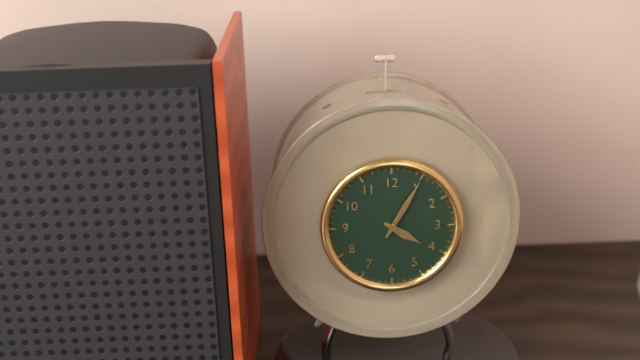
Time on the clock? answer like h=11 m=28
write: h=4 m=5
